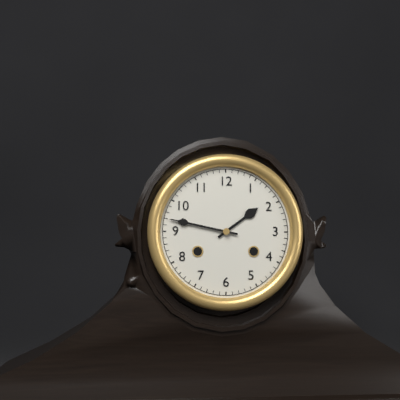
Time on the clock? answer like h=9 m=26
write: h=1 m=47
